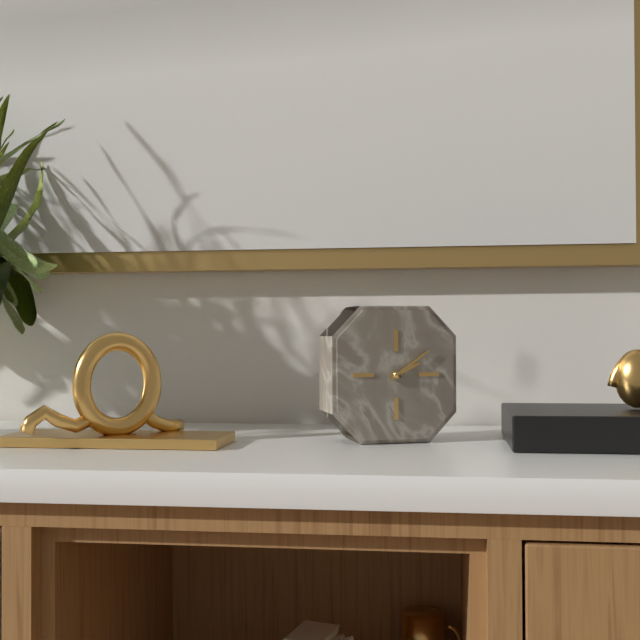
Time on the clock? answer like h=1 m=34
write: h=2 m=9
